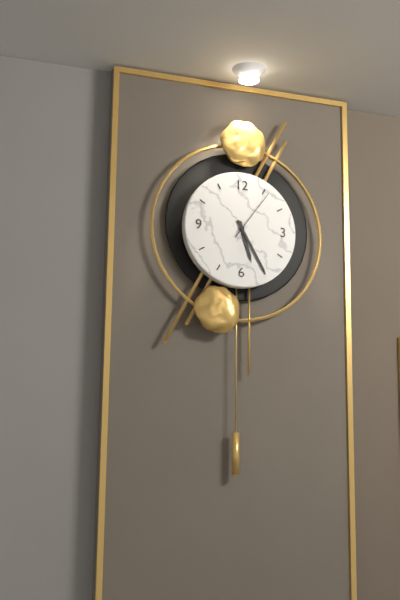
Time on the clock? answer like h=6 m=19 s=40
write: h=5 m=25 s=6
